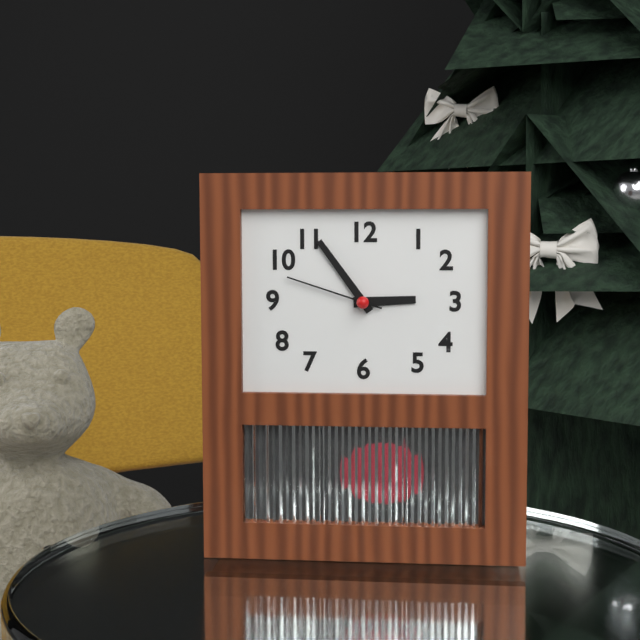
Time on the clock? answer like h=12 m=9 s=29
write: h=2 m=54 s=48
